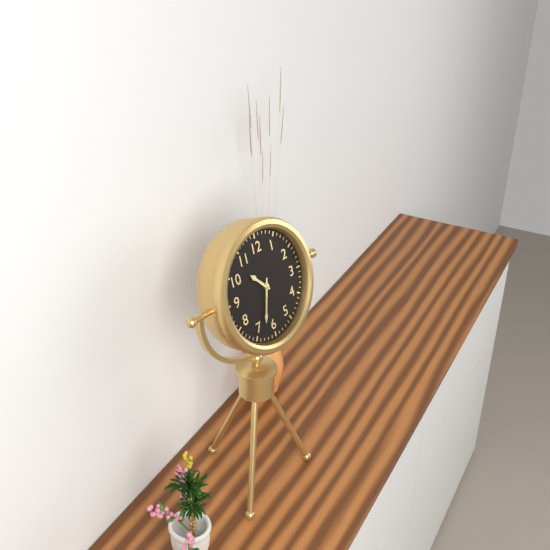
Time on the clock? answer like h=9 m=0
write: h=10 m=33
